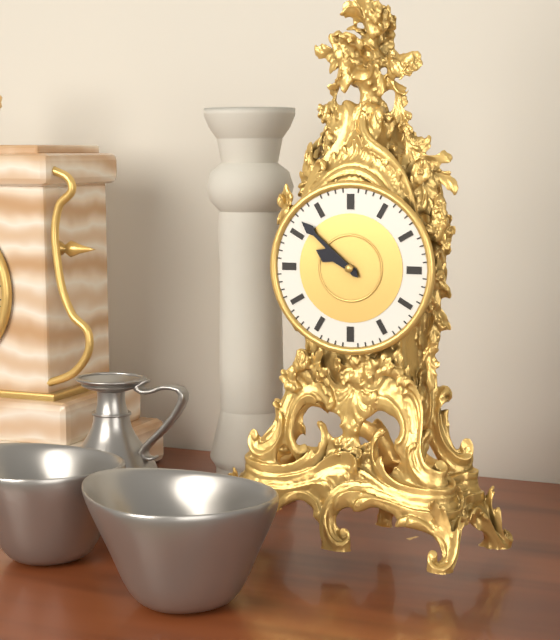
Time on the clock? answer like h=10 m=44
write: h=9 m=52
